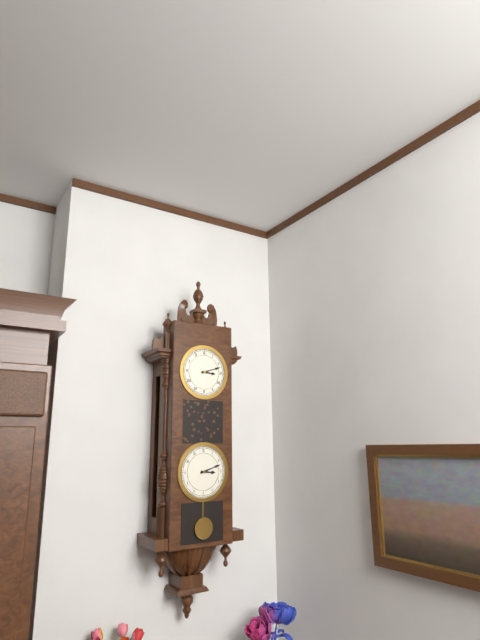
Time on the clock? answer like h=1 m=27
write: h=3 m=12
